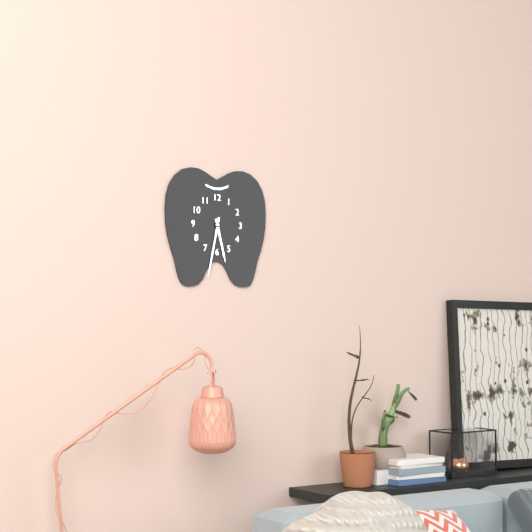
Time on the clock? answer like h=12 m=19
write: h=5 m=32
